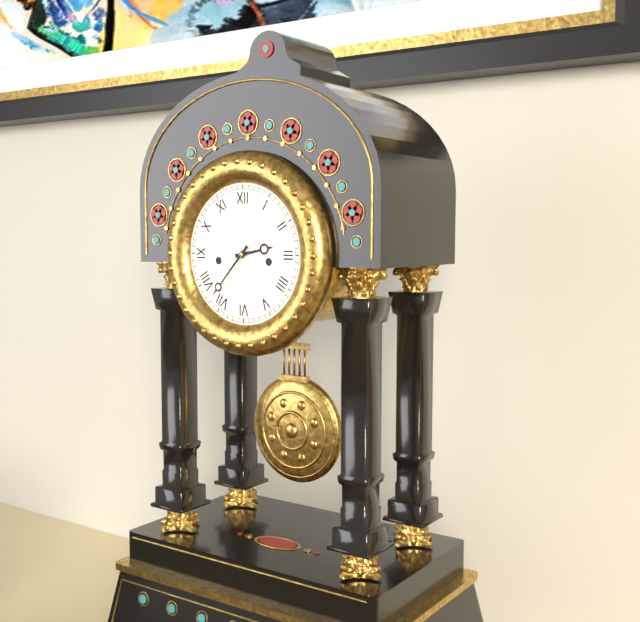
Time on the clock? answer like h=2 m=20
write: h=2 m=37
